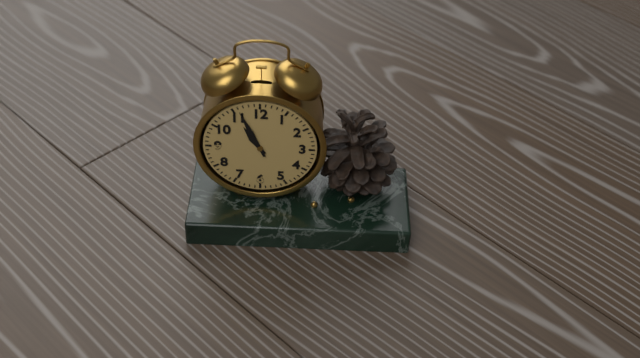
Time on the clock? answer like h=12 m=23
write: h=10 m=56
